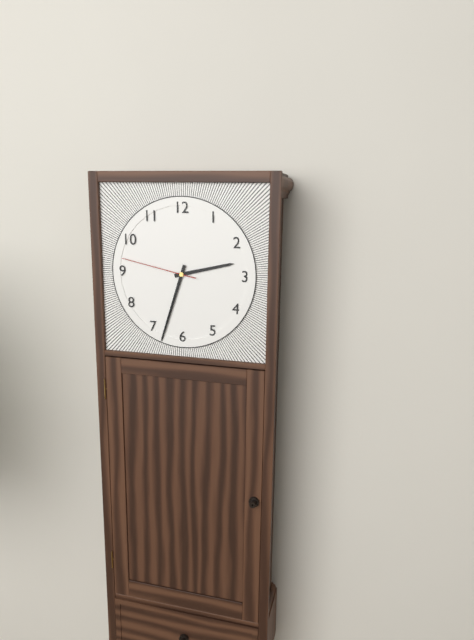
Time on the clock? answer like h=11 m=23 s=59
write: h=2 m=33 s=47
